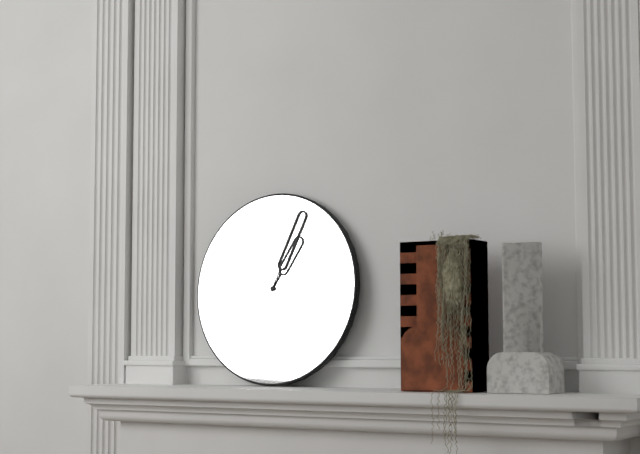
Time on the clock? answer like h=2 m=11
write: h=1 m=4
